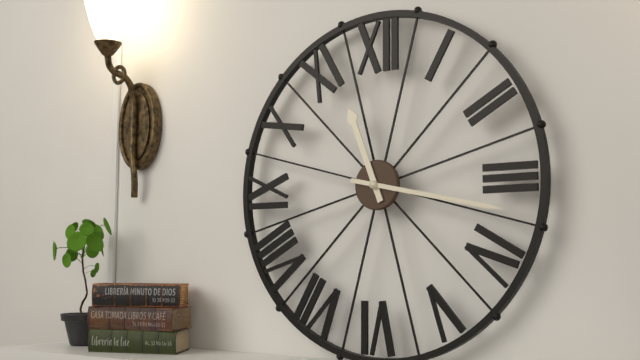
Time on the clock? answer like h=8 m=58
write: h=11 m=17
